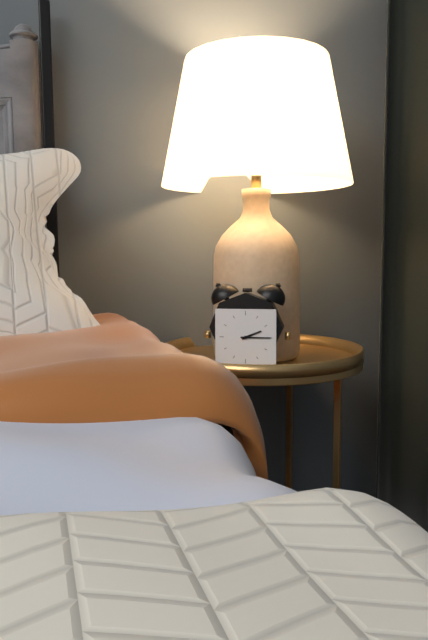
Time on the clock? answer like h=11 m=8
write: h=2 m=15
